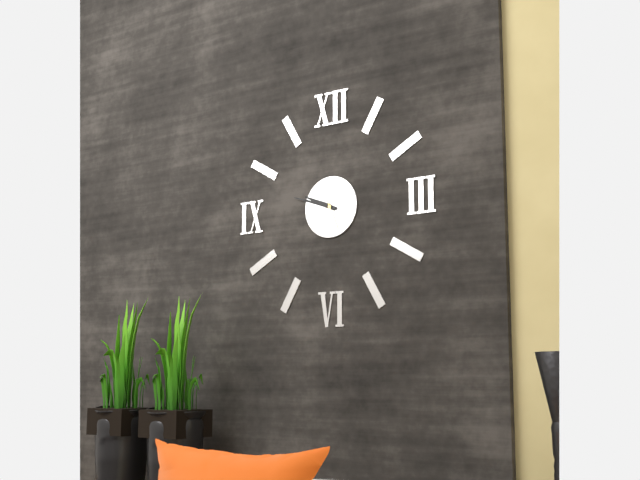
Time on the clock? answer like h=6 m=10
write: h=9 m=48
